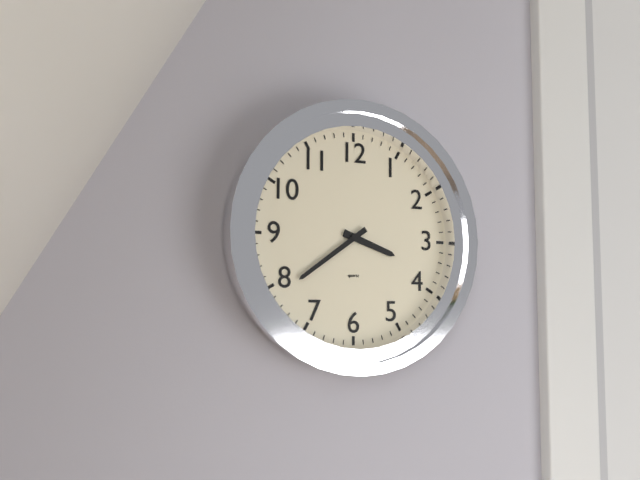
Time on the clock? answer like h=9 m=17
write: h=3 m=39
